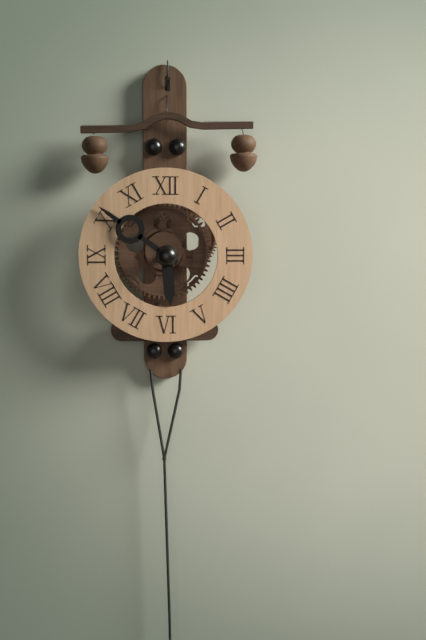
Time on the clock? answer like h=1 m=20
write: h=5 m=51
